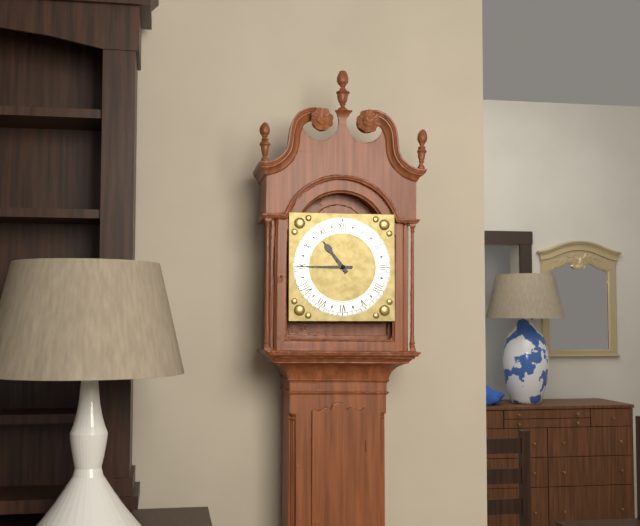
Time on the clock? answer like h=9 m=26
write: h=10 m=45
